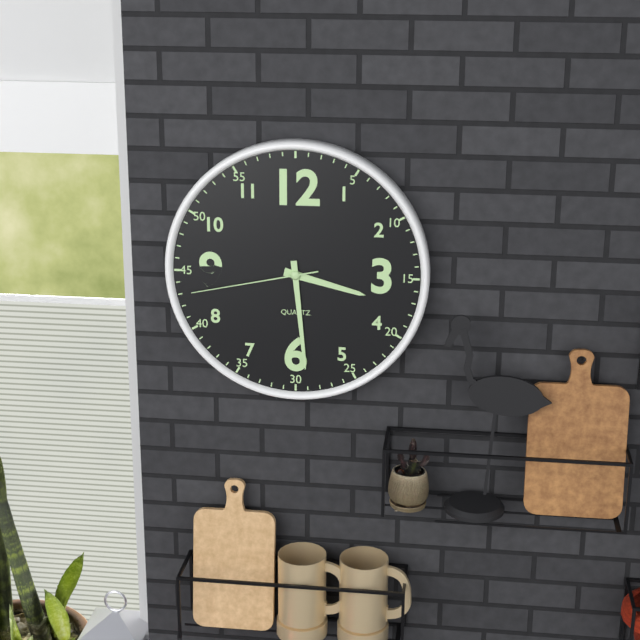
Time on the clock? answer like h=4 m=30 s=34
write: h=3 m=29 s=43
